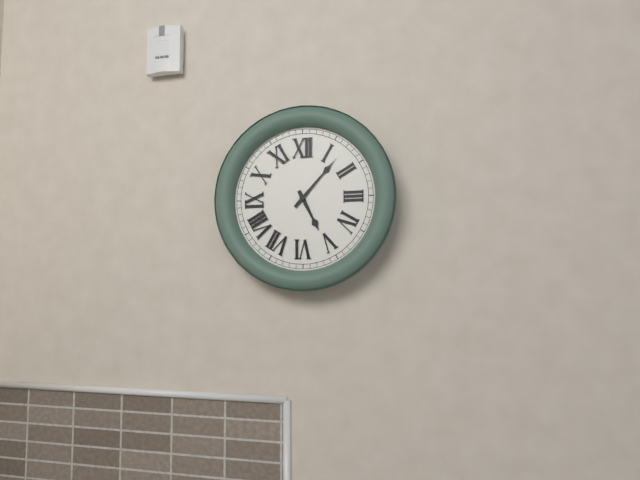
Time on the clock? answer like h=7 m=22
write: h=5 m=7
